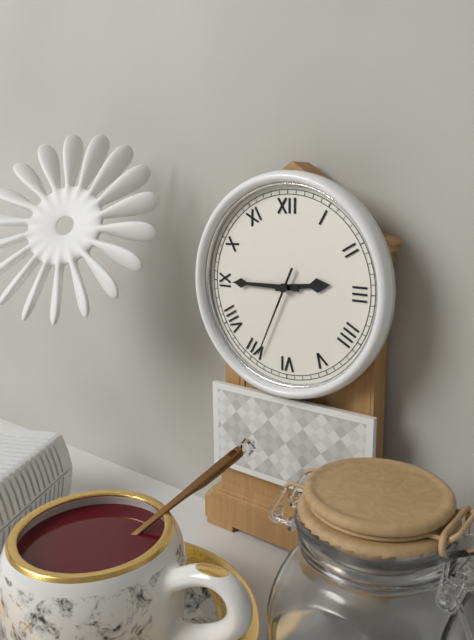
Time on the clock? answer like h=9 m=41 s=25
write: h=2 m=45 s=34
